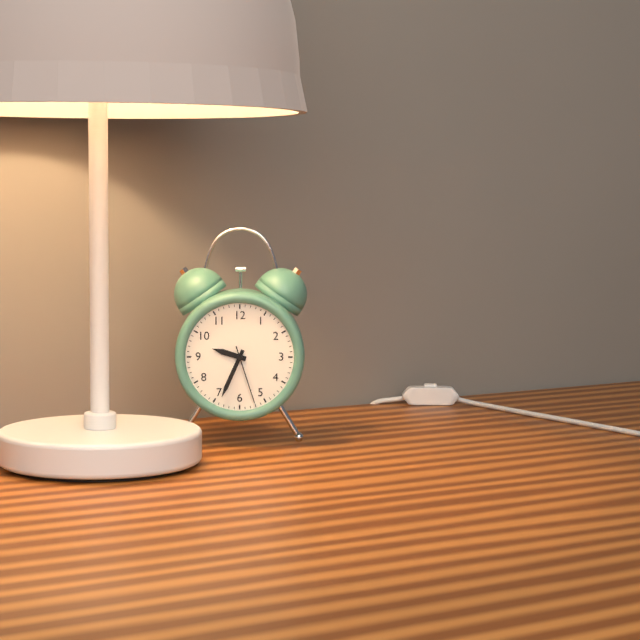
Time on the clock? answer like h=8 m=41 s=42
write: h=9 m=34 s=27
